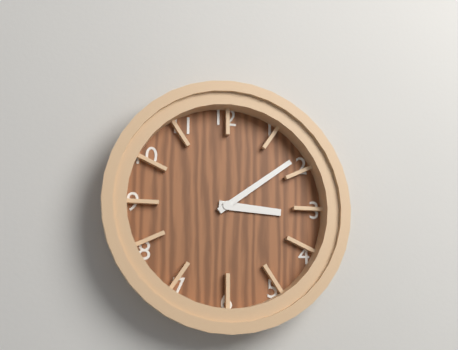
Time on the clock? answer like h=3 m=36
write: h=3 m=9
